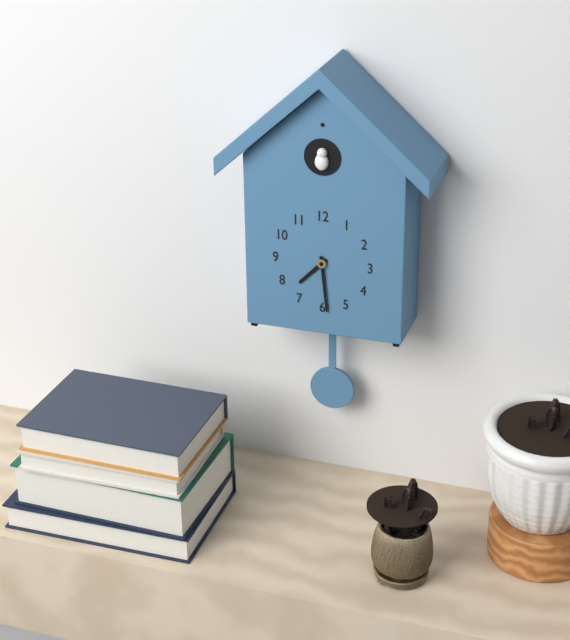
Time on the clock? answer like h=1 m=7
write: h=7 m=29
